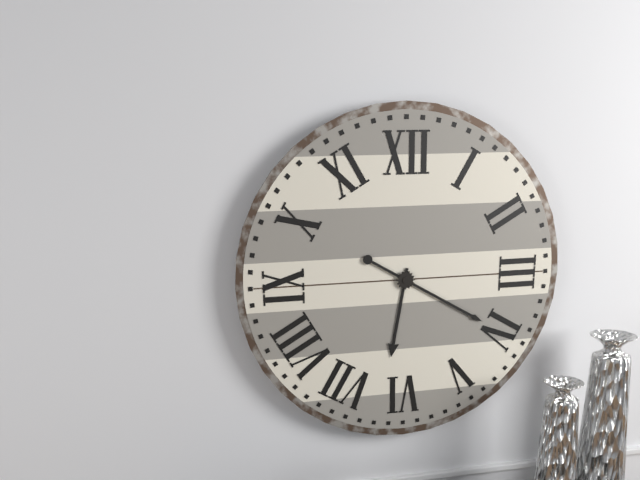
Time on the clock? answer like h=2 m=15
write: h=6 m=20
